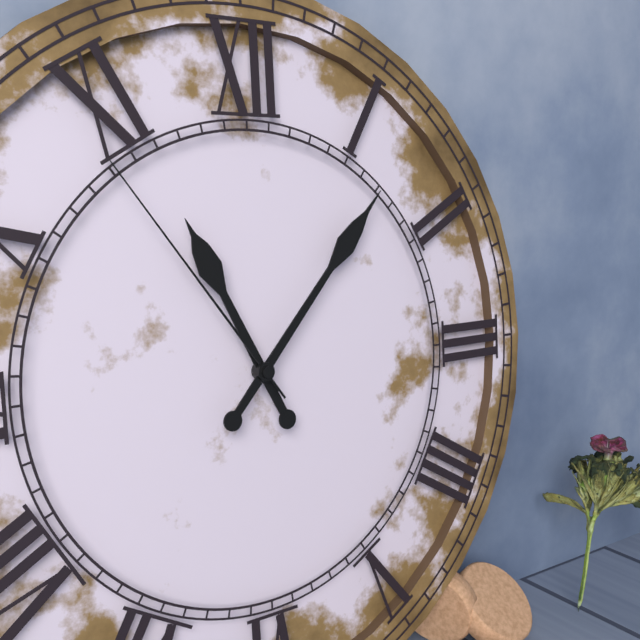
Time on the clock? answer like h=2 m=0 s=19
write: h=11 m=7 s=54
